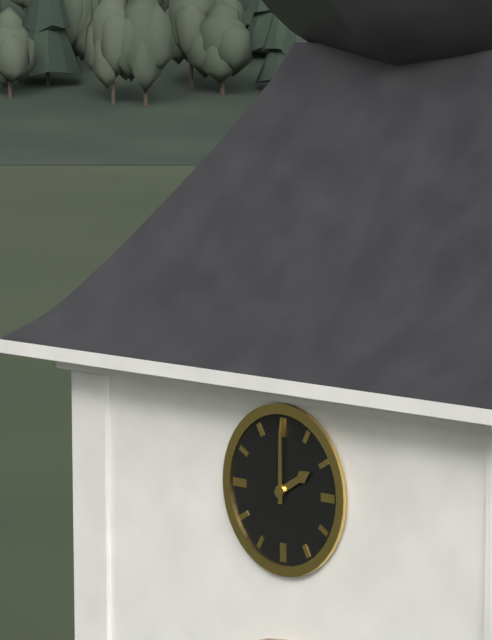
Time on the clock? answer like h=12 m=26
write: h=2 m=0
